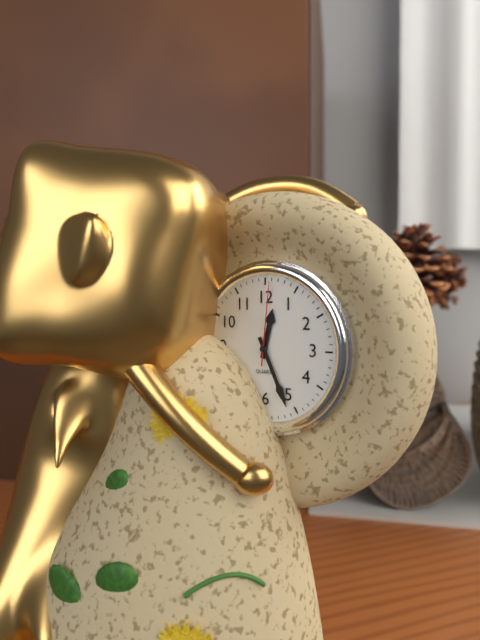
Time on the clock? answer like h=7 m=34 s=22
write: h=12 m=26 s=1
